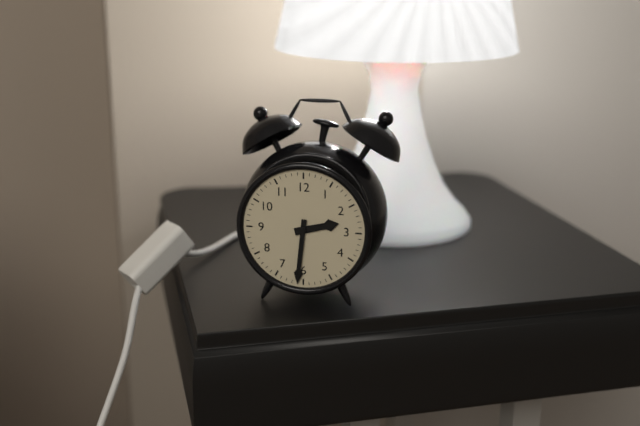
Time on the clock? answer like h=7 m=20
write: h=2 m=31
